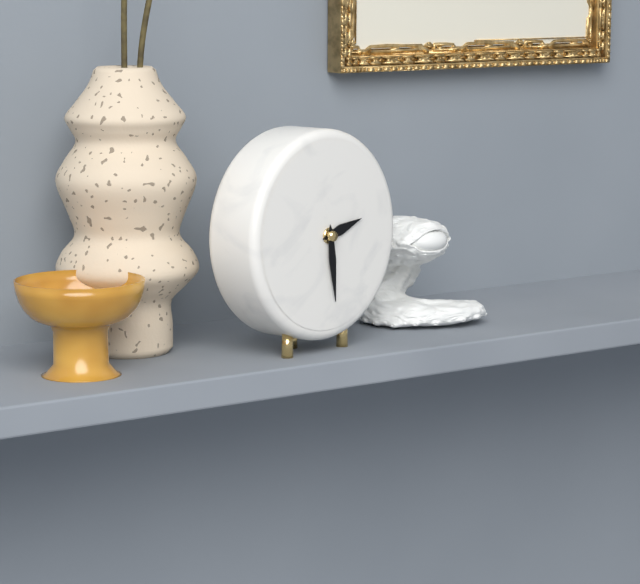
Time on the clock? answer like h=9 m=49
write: h=2 m=29
